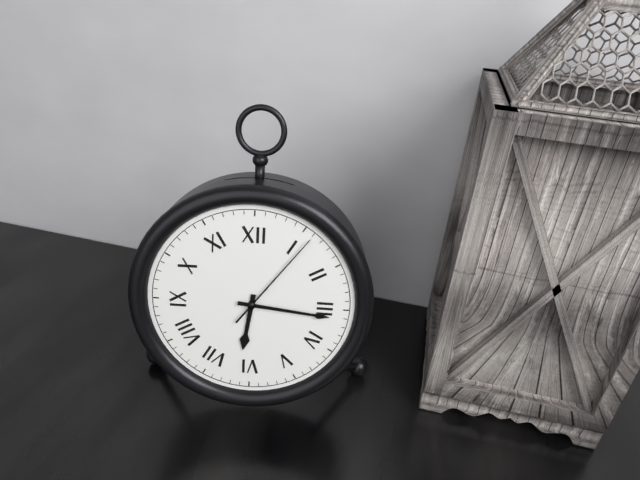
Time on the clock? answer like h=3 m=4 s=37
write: h=6 m=16 s=6
